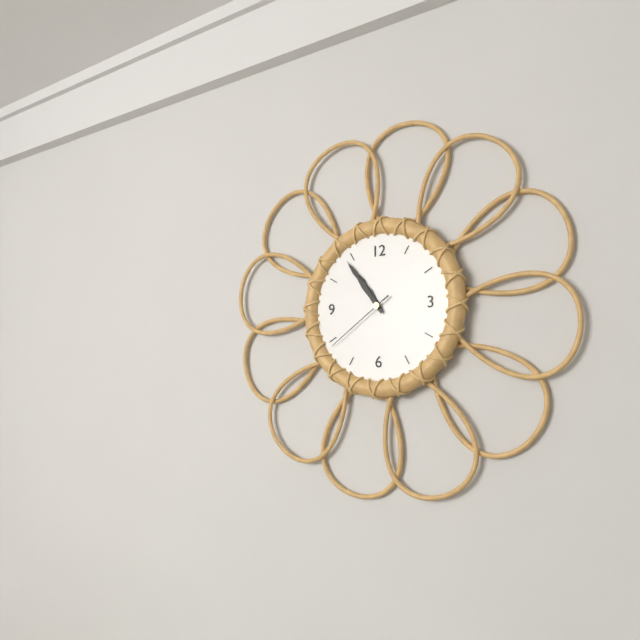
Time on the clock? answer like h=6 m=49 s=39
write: h=10 m=54 s=39
